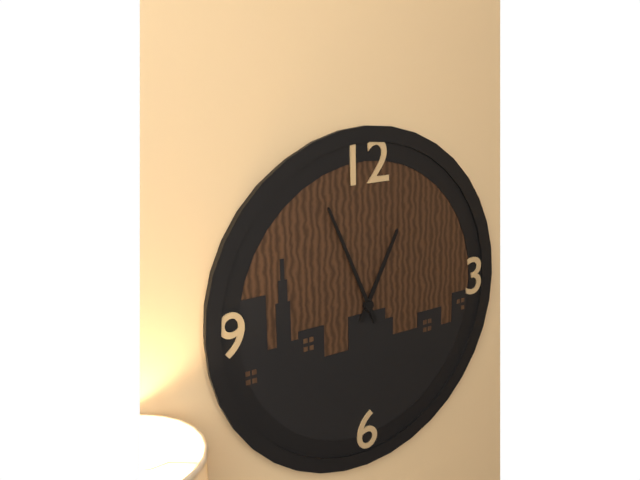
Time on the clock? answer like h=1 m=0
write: h=12 m=56
